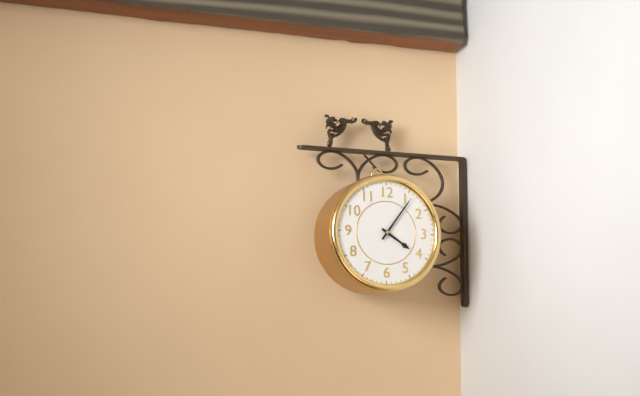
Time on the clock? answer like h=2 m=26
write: h=4 m=6
